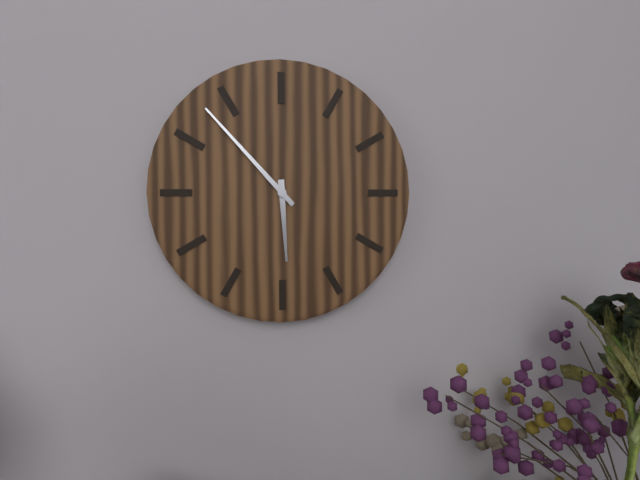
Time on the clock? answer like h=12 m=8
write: h=5 m=53
